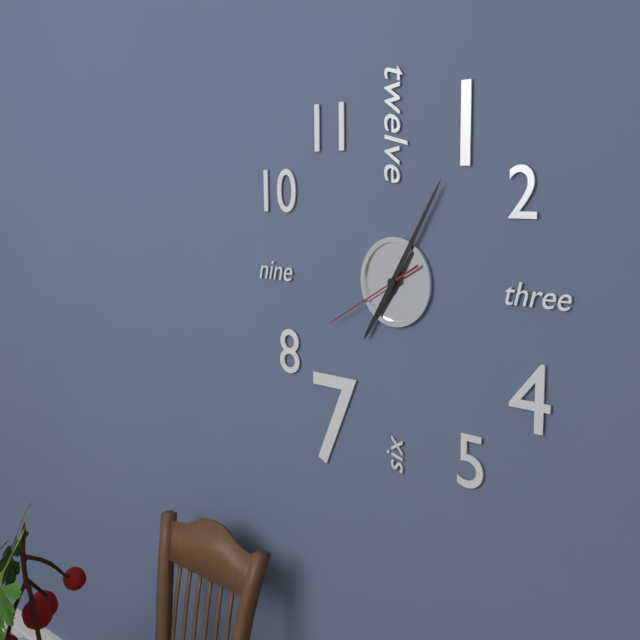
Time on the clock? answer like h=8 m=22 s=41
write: h=7 m=5 s=40
